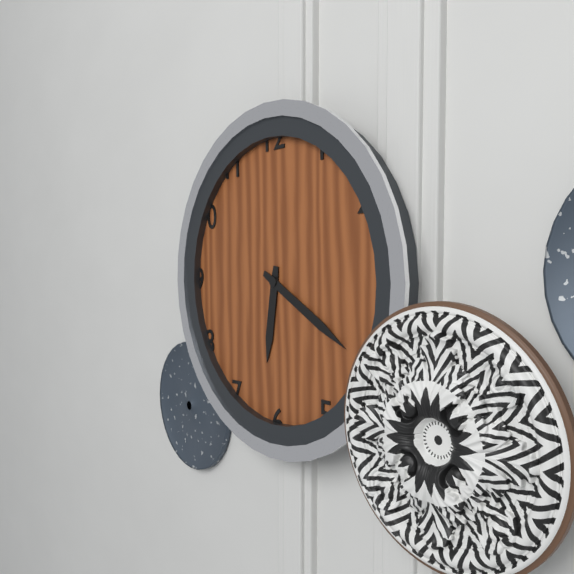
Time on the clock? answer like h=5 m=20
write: h=6 m=20
